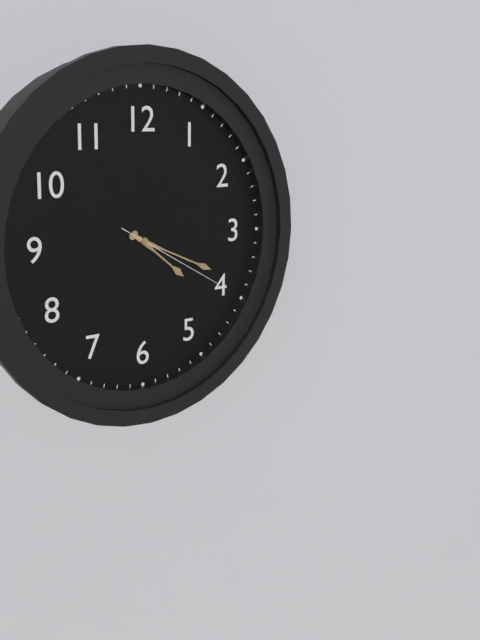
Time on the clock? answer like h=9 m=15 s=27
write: h=4 m=19 s=20
